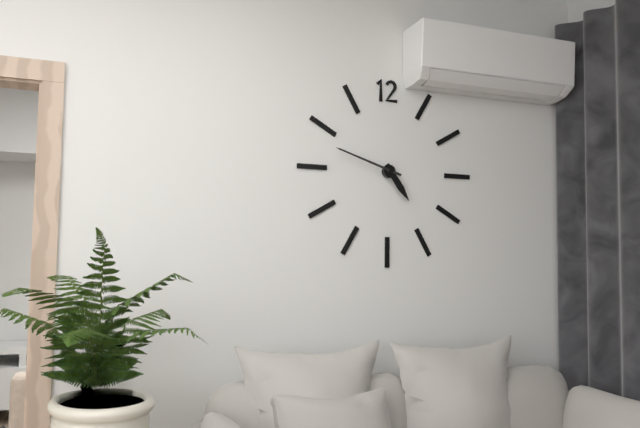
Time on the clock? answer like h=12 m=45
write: h=4 m=48
